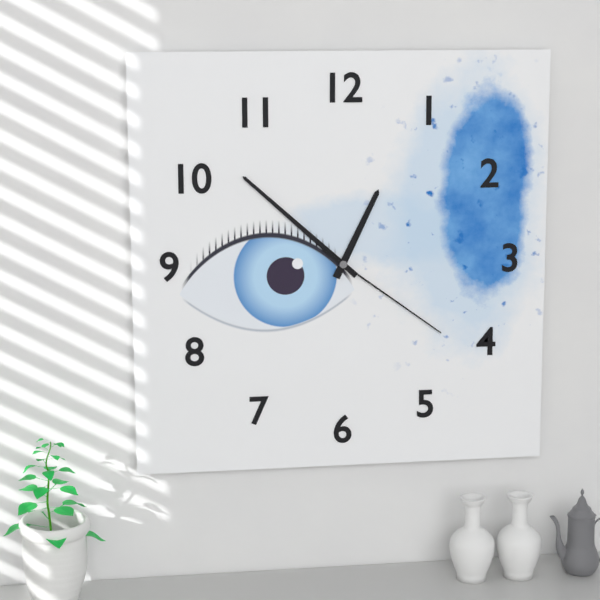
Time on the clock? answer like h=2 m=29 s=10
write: h=12 m=52 s=21
